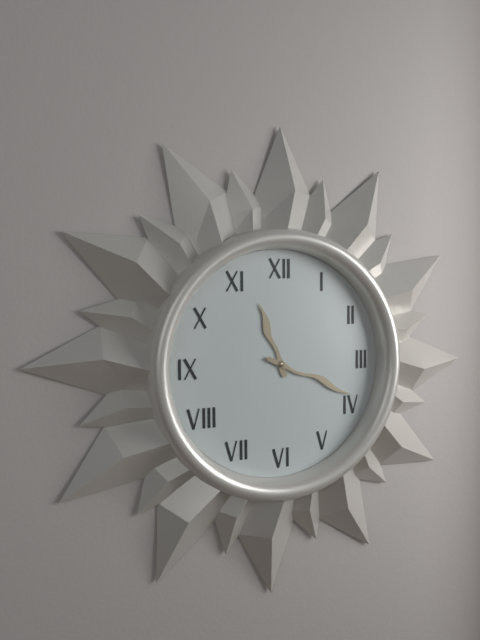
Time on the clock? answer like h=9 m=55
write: h=11 m=19
